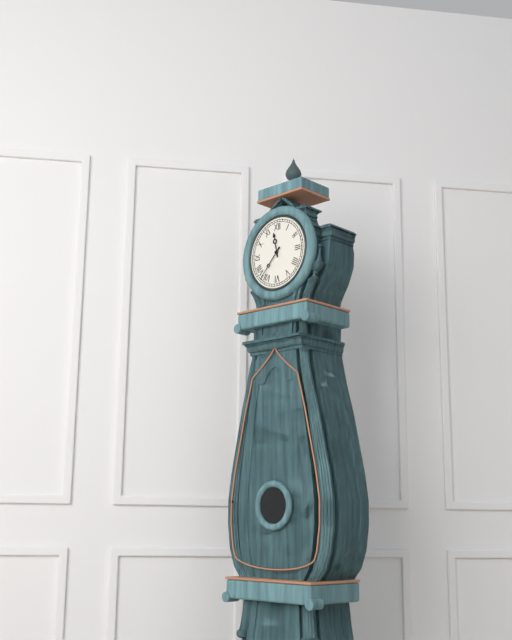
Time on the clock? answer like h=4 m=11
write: h=11 m=37
